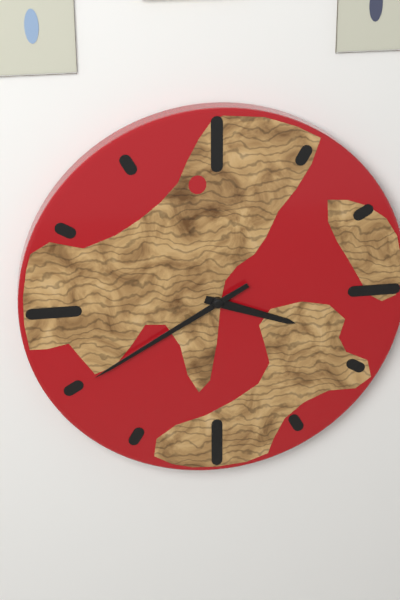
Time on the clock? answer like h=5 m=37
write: h=3 m=40
